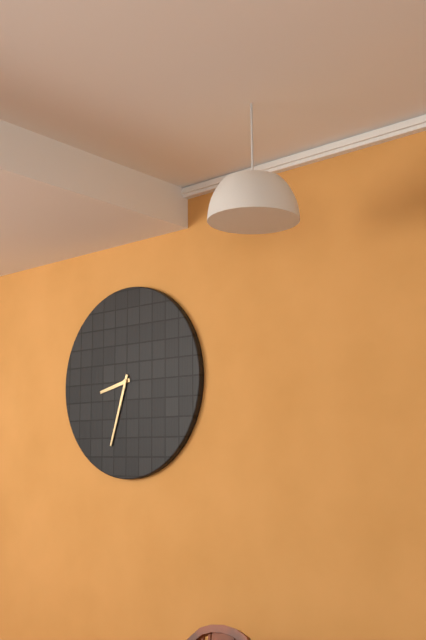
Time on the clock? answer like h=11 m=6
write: h=8 m=33
